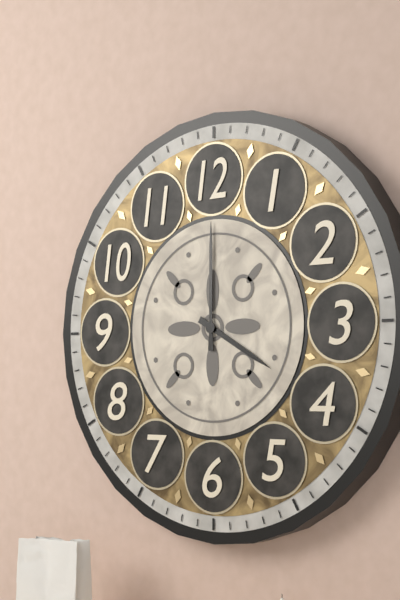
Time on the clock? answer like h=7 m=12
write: h=4 m=0
